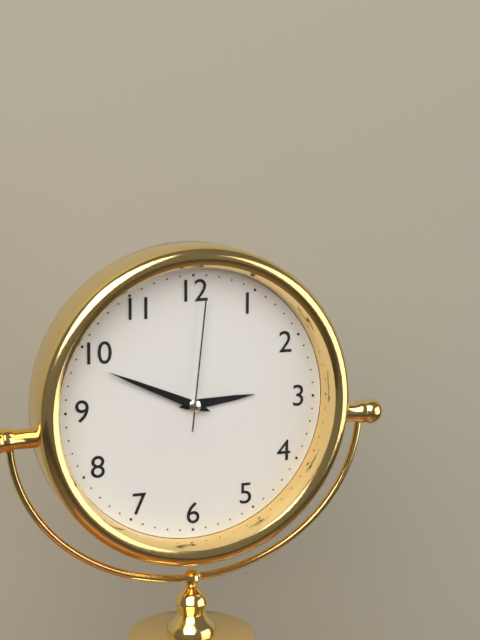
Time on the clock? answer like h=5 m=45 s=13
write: h=2 m=49 s=1
